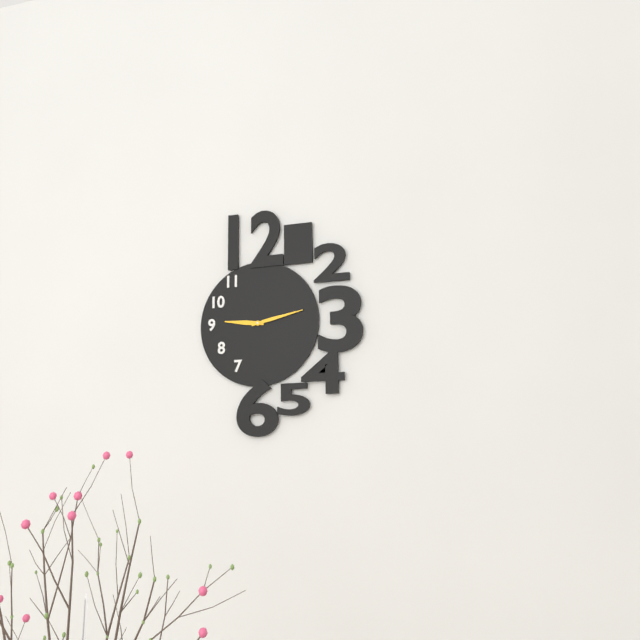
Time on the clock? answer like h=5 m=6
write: h=9 m=13
